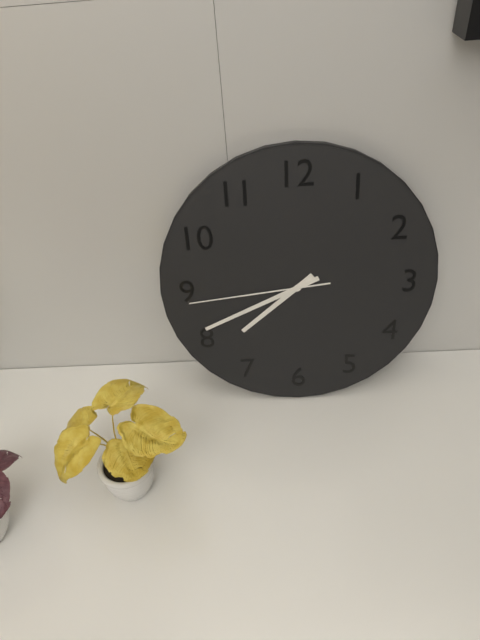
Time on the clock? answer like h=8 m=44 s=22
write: h=7 m=41 s=44
